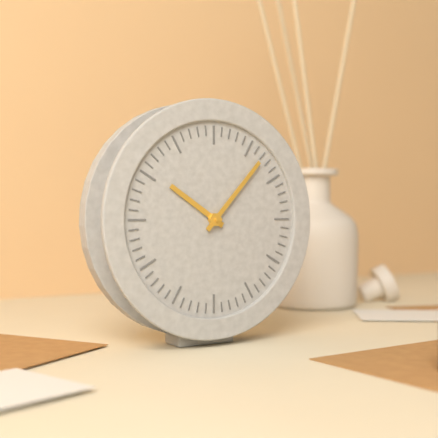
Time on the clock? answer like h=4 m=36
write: h=10 m=7
